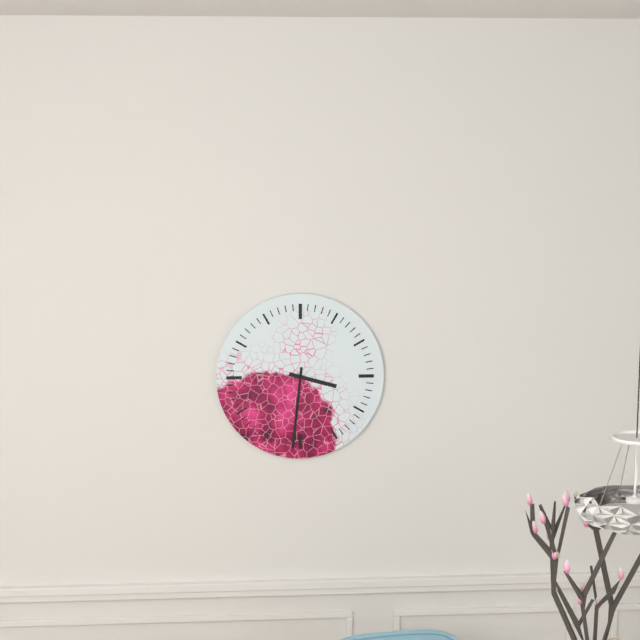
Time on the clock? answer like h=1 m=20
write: h=3 m=31
